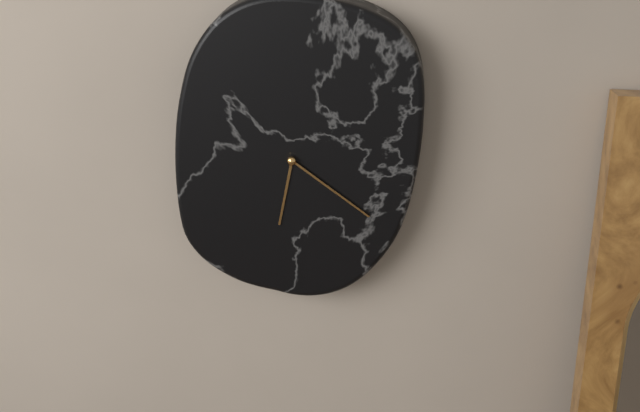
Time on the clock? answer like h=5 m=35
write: h=6 m=21
